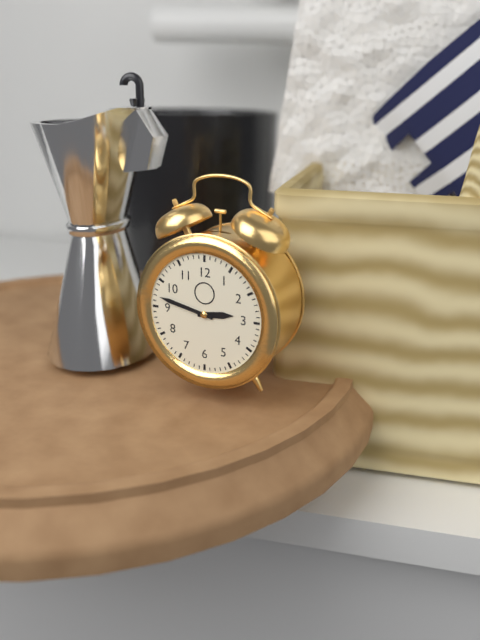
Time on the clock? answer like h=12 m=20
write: h=2 m=47
